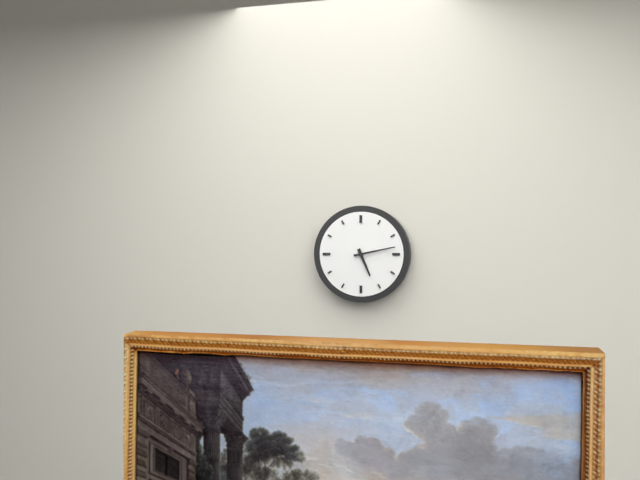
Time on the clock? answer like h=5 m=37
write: h=5 m=13
